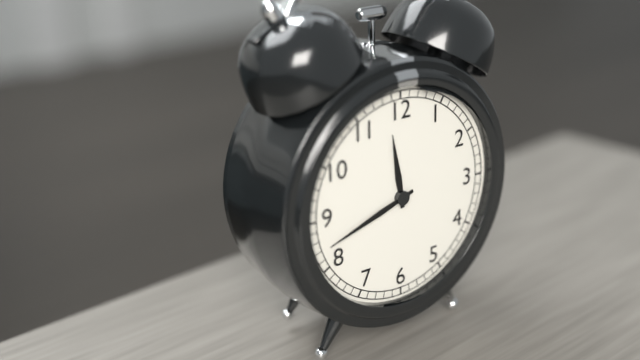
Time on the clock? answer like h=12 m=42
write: h=11 m=42
